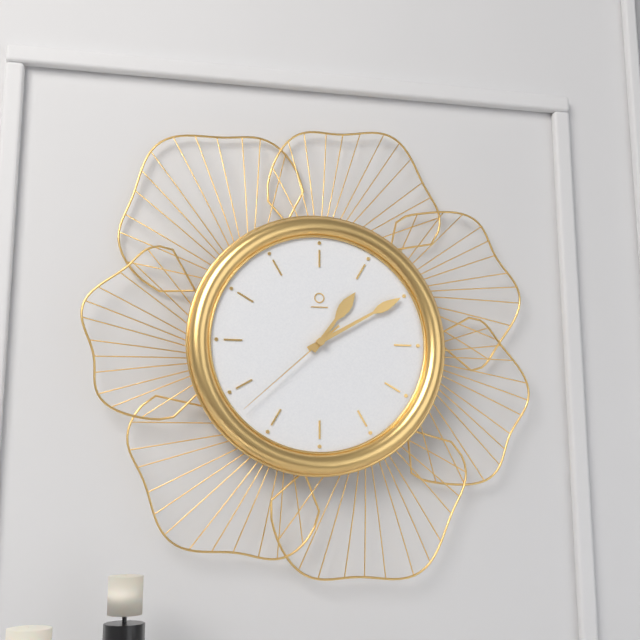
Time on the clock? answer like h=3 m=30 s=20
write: h=1 m=10 s=38
